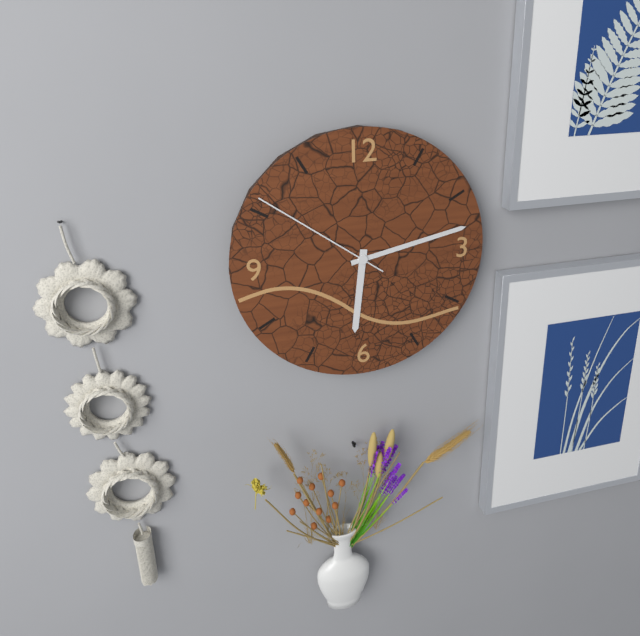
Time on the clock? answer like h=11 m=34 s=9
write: h=6 m=13 s=51
